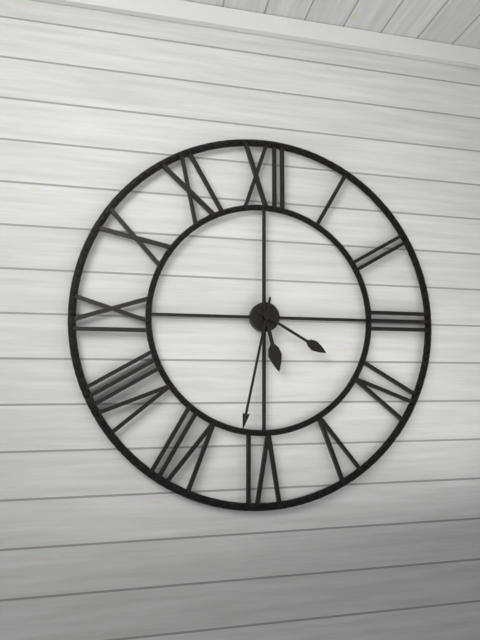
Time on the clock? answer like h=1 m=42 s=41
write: h=5 m=32 s=20
